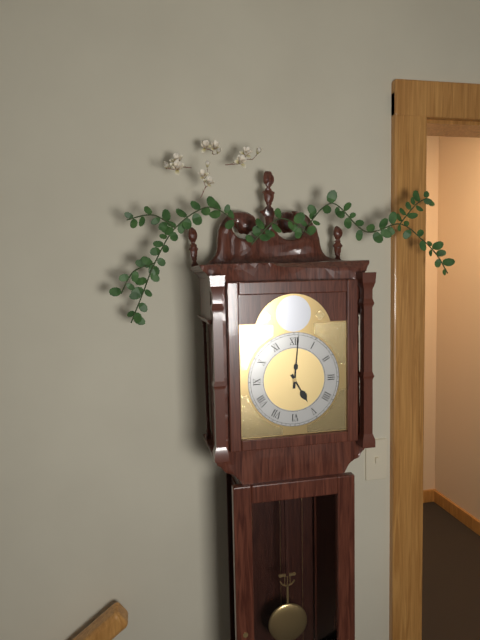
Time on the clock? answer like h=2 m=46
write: h=5 m=1
